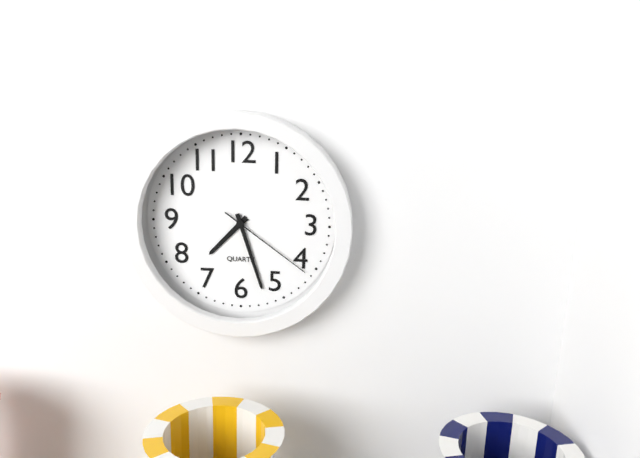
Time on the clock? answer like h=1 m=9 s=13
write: h=7 m=27 s=21
